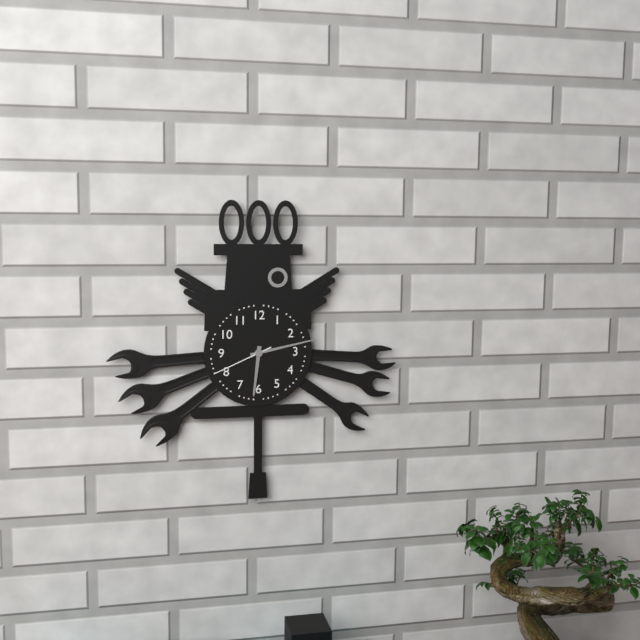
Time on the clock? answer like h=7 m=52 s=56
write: h=6 m=13 s=41
